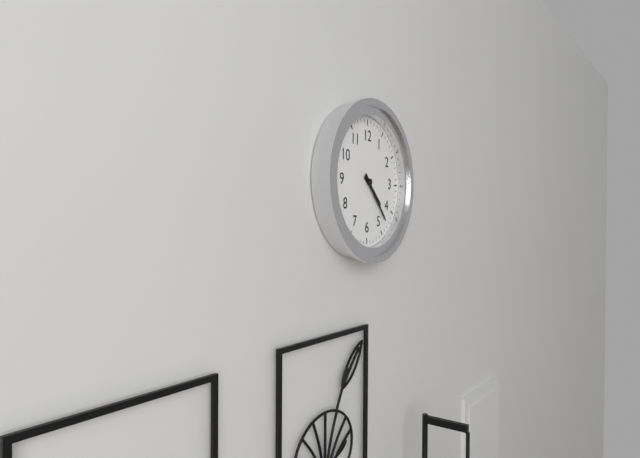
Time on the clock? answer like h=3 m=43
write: h=4 m=23
